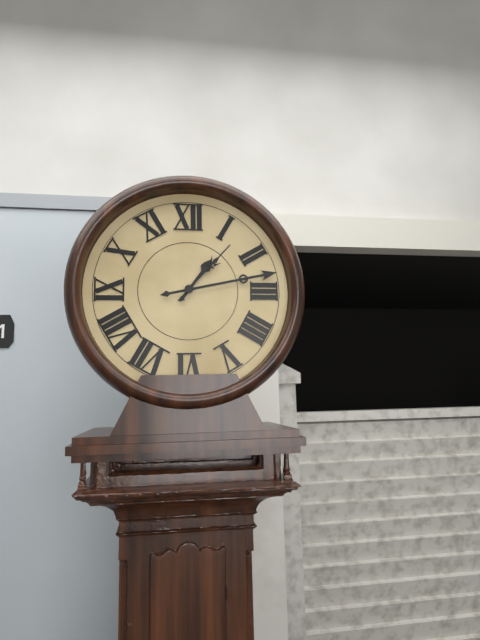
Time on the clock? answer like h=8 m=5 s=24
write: h=1 m=13 s=7
